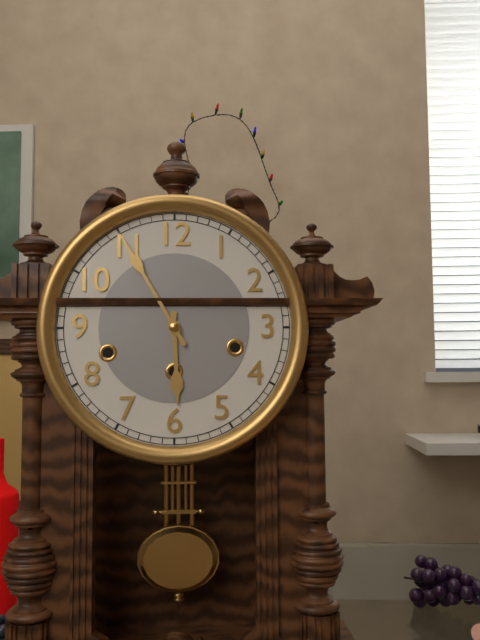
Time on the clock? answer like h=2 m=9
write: h=5 m=55
